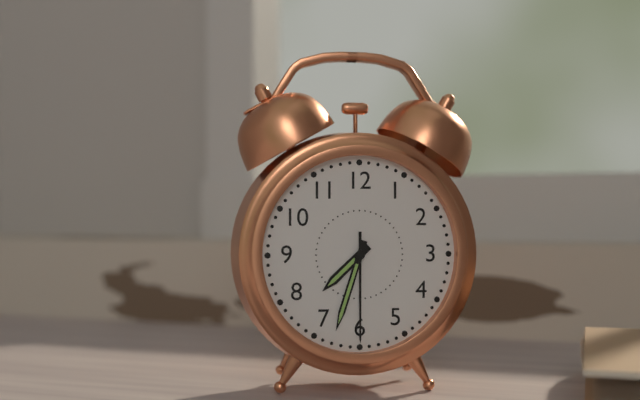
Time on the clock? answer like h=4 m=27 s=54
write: h=7 m=33 s=30
